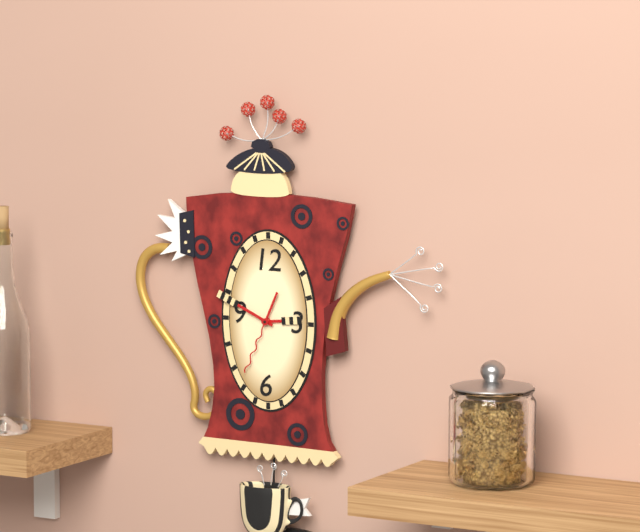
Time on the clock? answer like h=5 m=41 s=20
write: h=2 m=49 s=34
